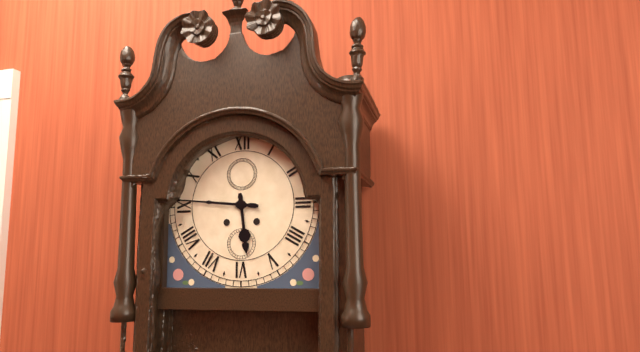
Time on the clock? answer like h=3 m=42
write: h=5 m=46
